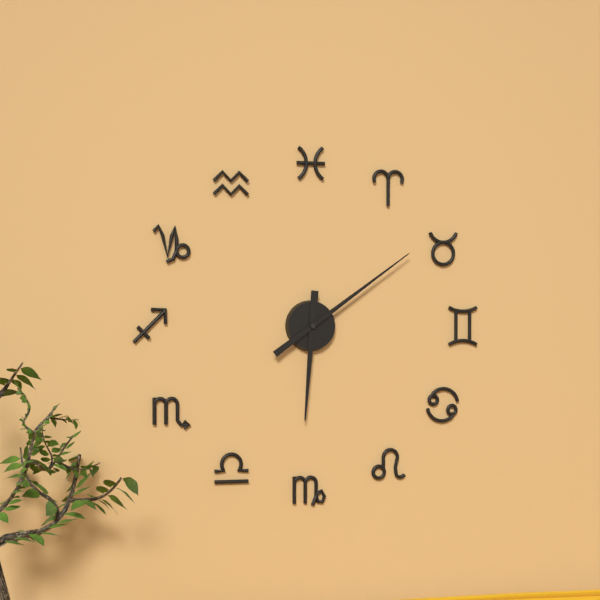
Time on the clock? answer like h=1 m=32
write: h=6 m=9
